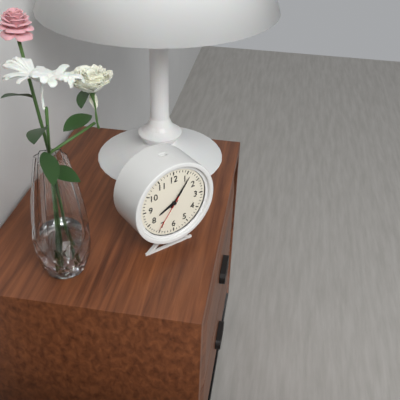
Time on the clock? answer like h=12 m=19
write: h=8 m=6
